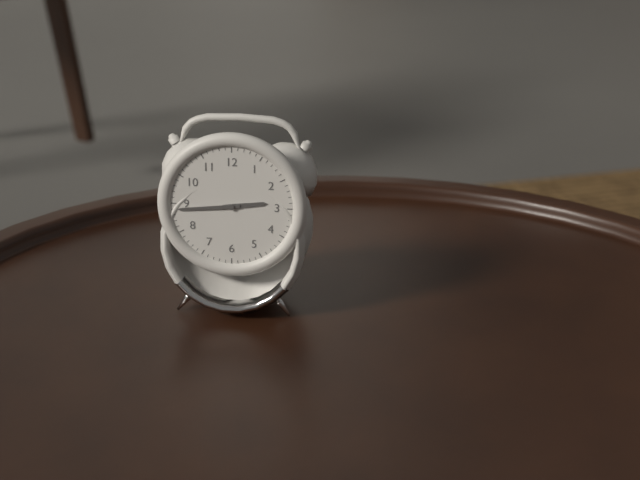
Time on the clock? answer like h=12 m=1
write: h=2 m=44
